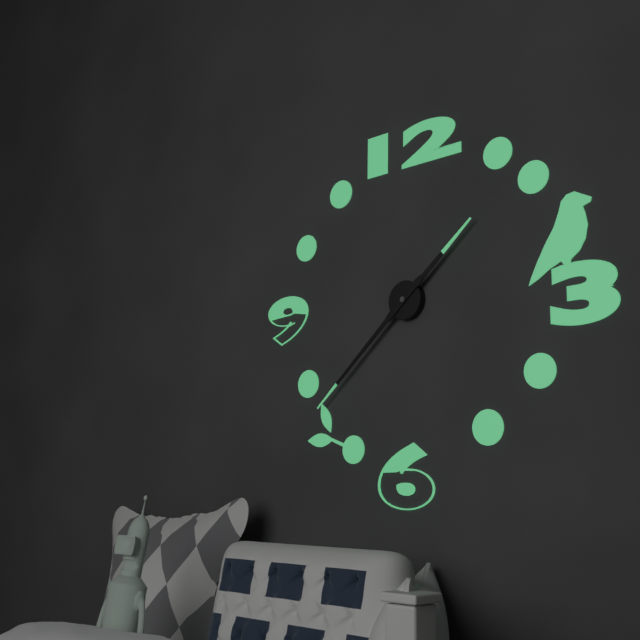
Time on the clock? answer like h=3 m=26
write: h=1 m=38
